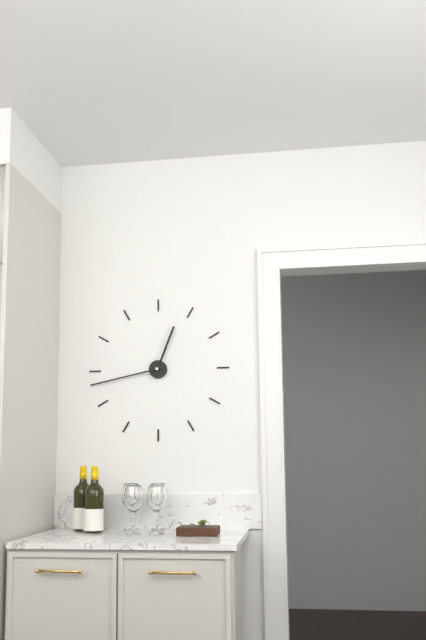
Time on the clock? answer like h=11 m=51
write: h=12 m=43
